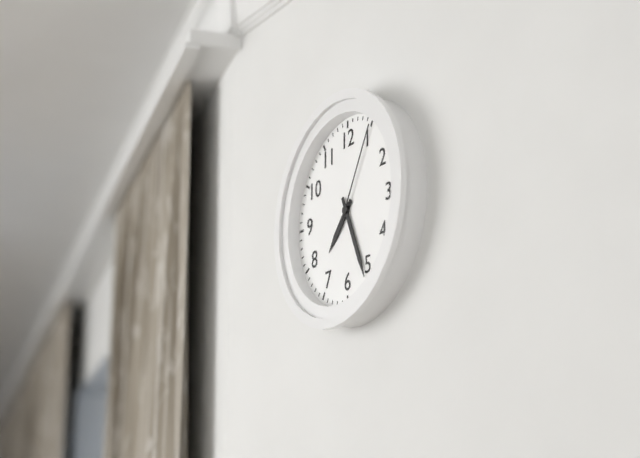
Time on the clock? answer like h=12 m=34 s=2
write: h=7 m=26 s=5
